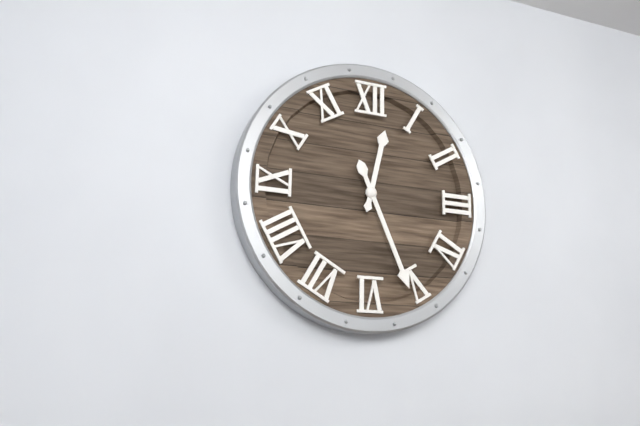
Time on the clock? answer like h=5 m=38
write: h=12 m=26
